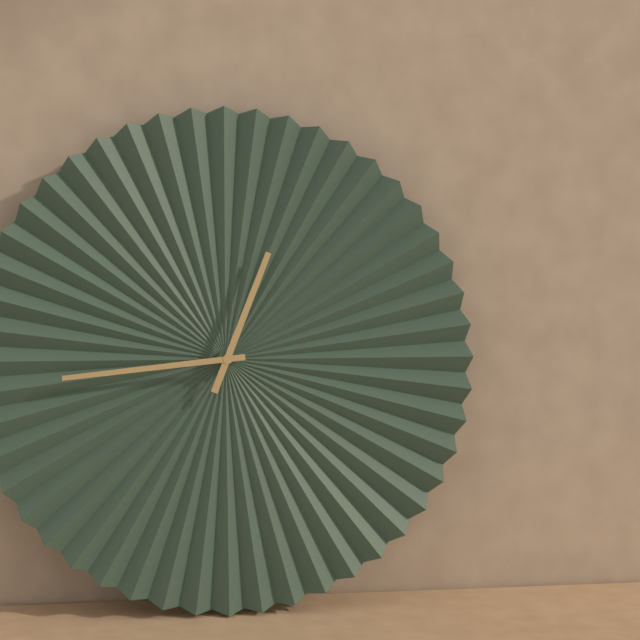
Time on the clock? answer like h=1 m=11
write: h=12 m=44
